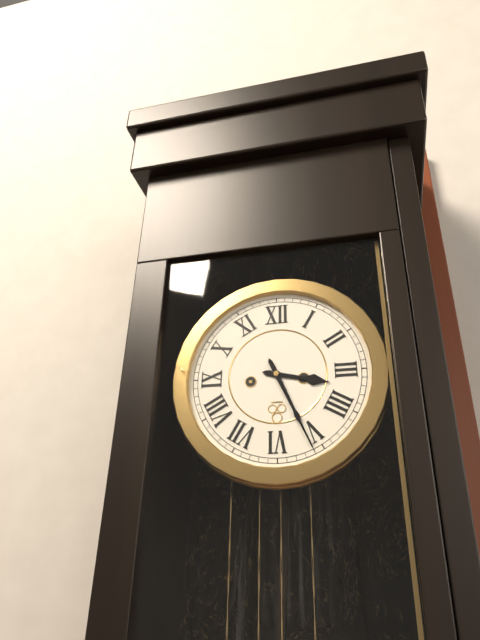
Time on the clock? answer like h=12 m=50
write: h=3 m=26
